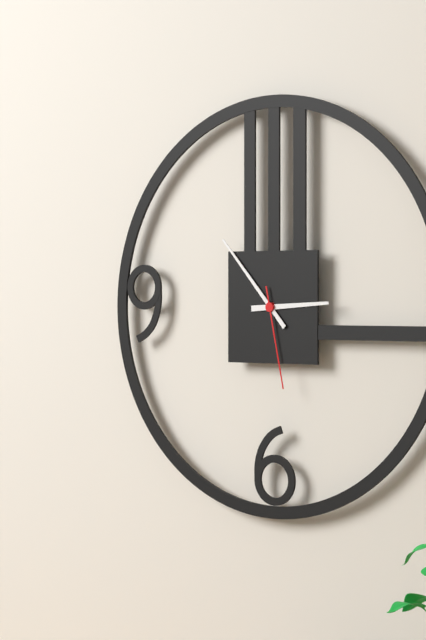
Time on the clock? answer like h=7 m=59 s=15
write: h=2 m=53 s=28
